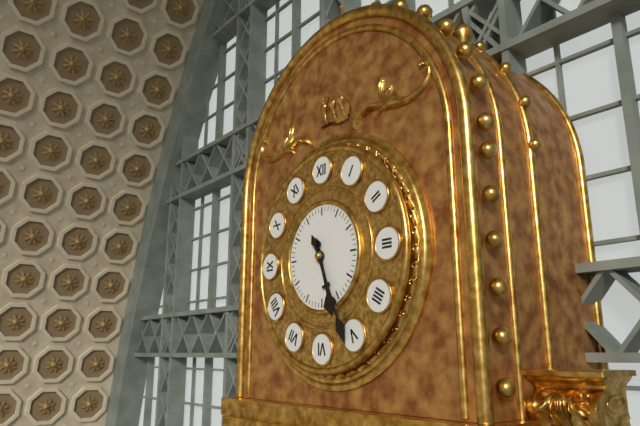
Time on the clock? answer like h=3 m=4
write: h=5 m=26
